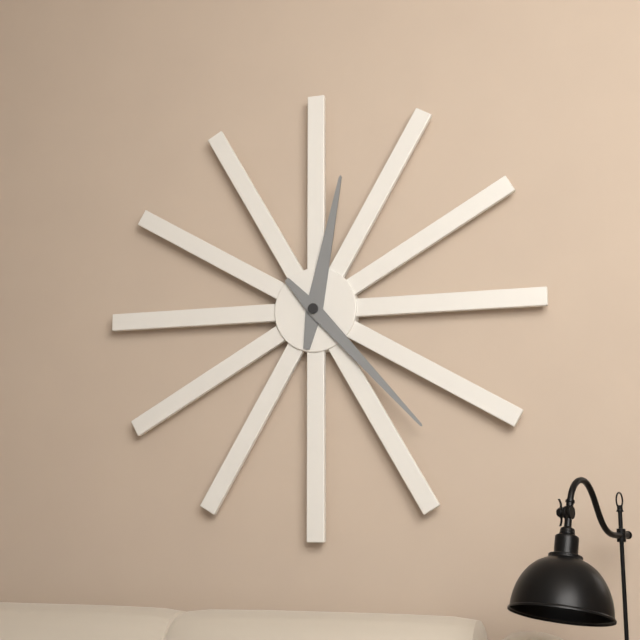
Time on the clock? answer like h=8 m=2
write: h=12 m=23
